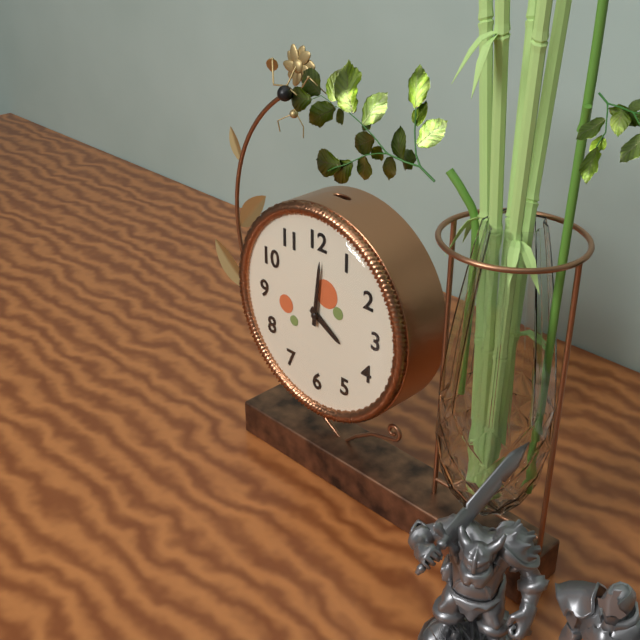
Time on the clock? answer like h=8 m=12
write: h=4 m=1
